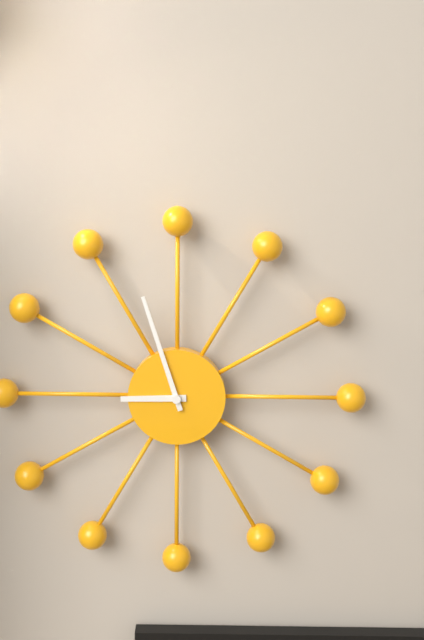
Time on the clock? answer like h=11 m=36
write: h=8 m=57
